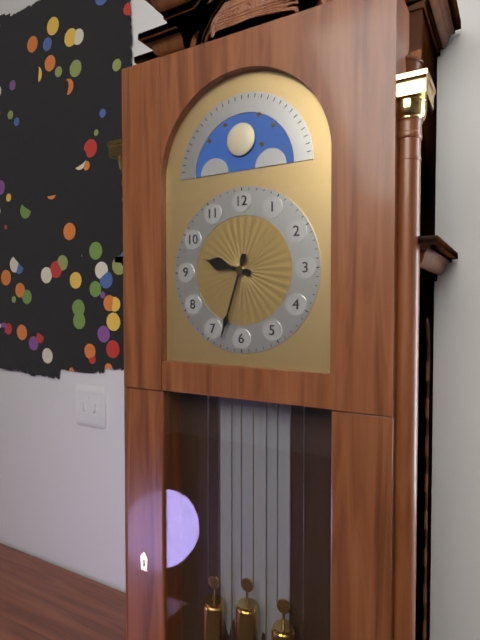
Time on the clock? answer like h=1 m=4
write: h=9 m=33
